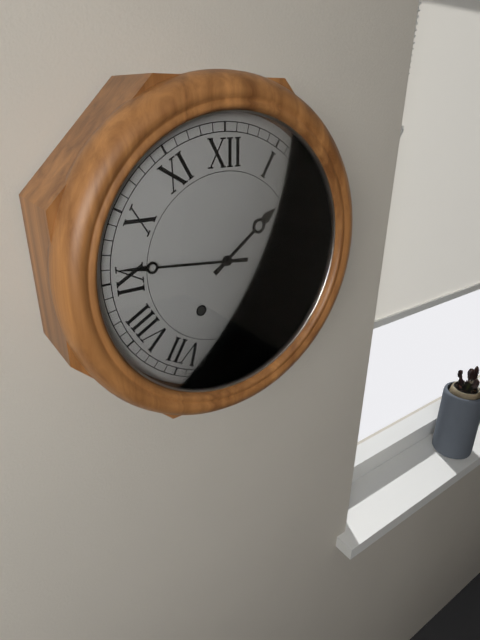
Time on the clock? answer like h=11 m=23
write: h=1 m=46
